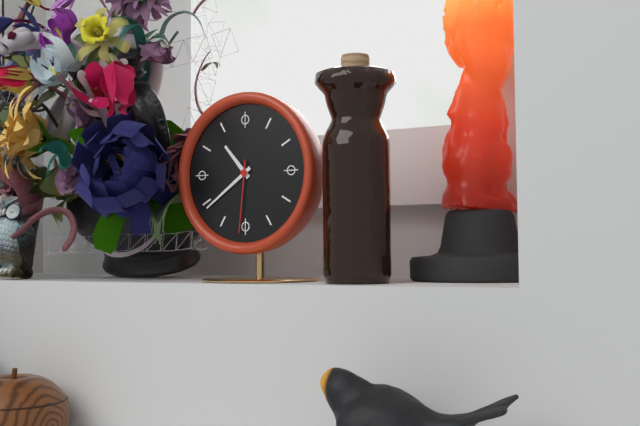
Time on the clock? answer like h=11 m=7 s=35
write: h=10 m=39 s=31
